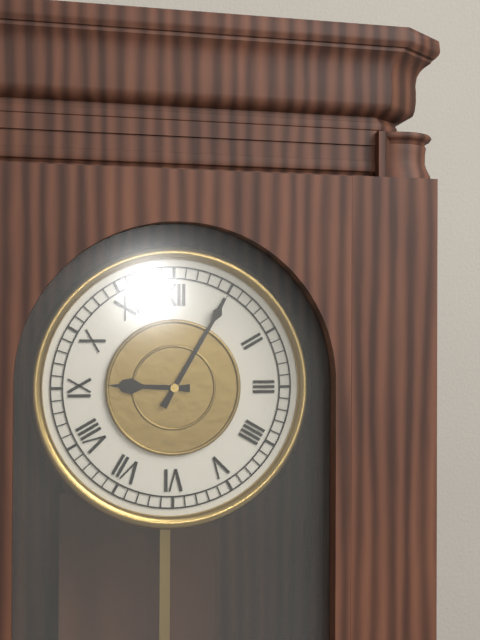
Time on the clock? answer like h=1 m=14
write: h=9 m=5
